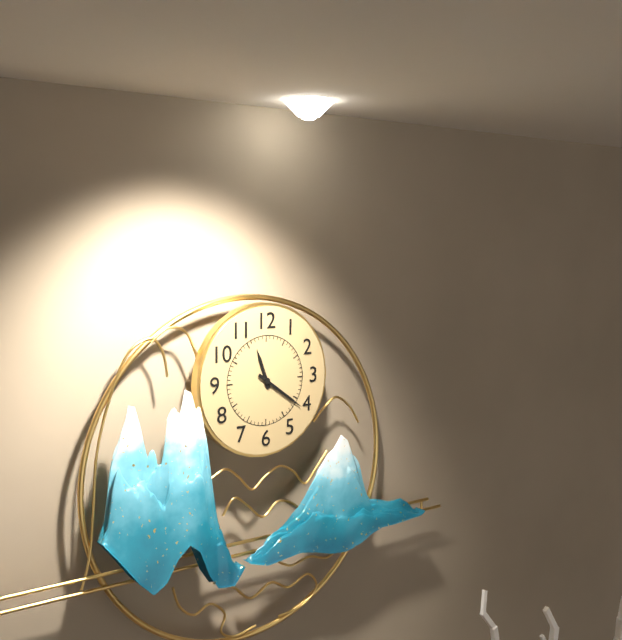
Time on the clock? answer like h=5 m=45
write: h=11 m=21
